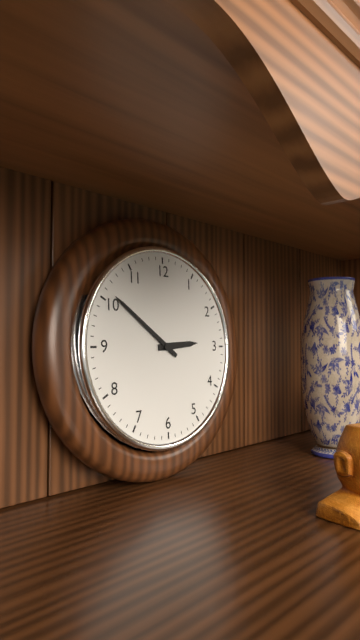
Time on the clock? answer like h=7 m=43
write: h=2 m=51
